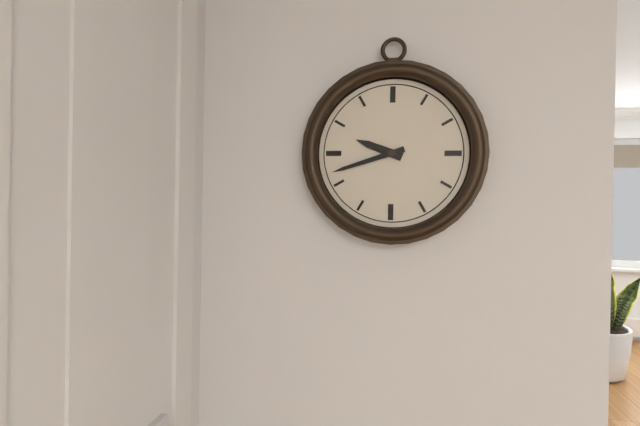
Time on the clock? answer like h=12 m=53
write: h=9 m=42
